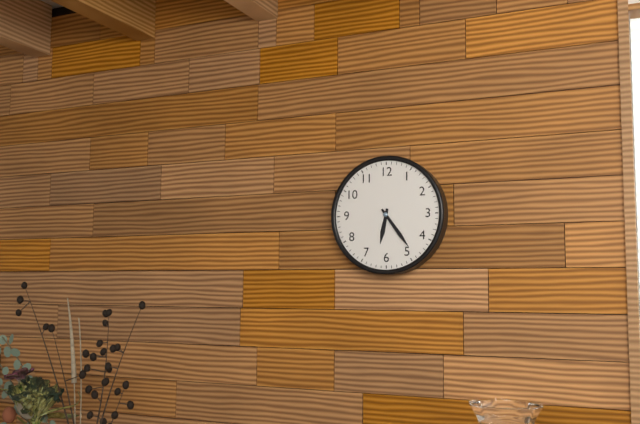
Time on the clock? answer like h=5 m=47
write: h=6 m=24
